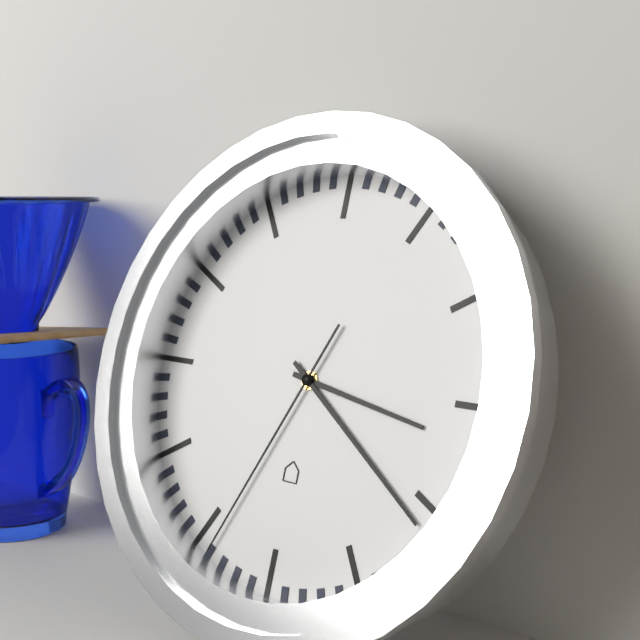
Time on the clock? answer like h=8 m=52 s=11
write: h=3 m=21 s=34
